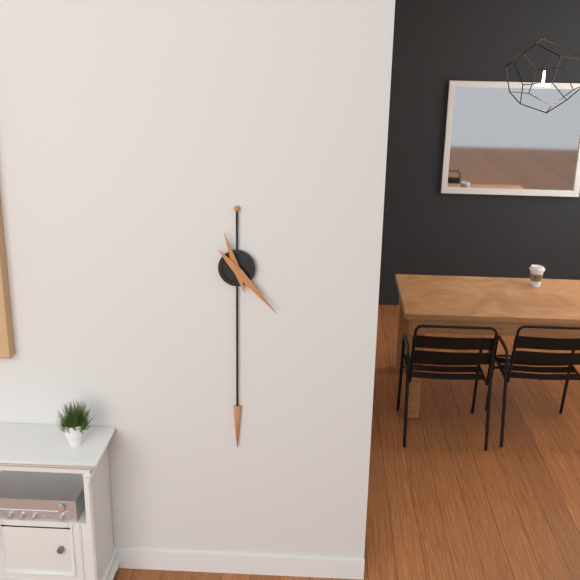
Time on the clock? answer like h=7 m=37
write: h=11 m=23
